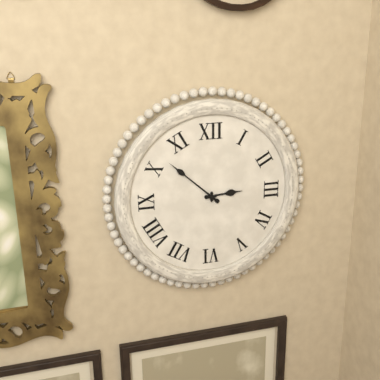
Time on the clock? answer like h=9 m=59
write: h=2 m=52
